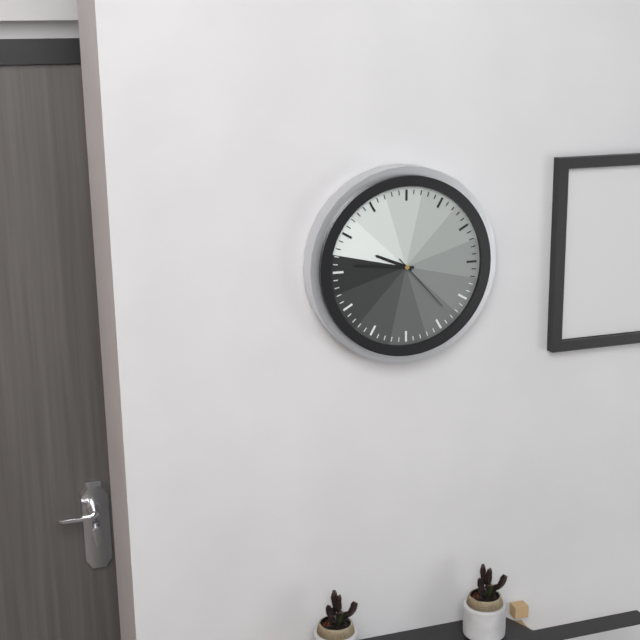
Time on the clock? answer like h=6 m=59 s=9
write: h=9 m=46 s=23
